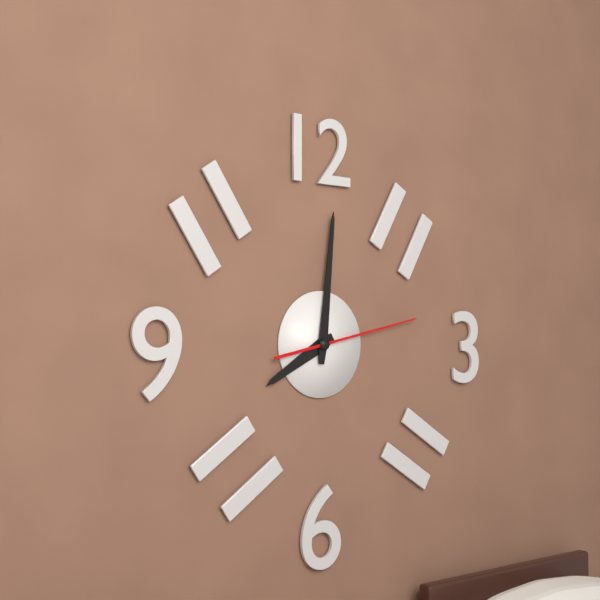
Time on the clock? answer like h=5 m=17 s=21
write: h=8 m=1 s=13
